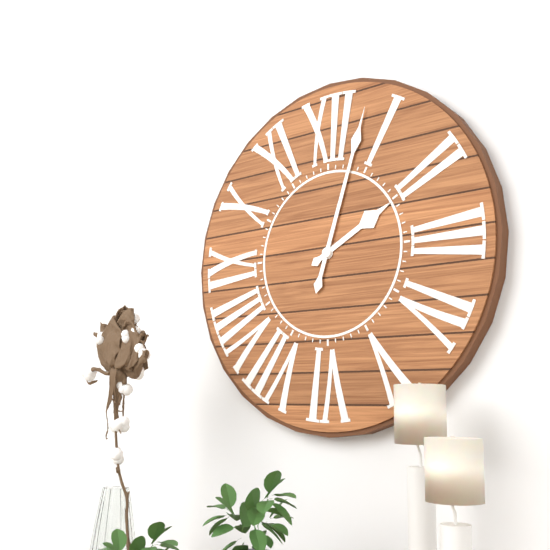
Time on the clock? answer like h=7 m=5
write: h=2 m=3
